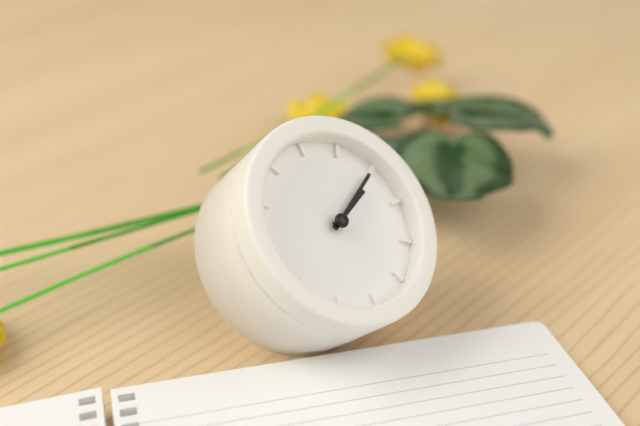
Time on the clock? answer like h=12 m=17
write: h=2 m=10
